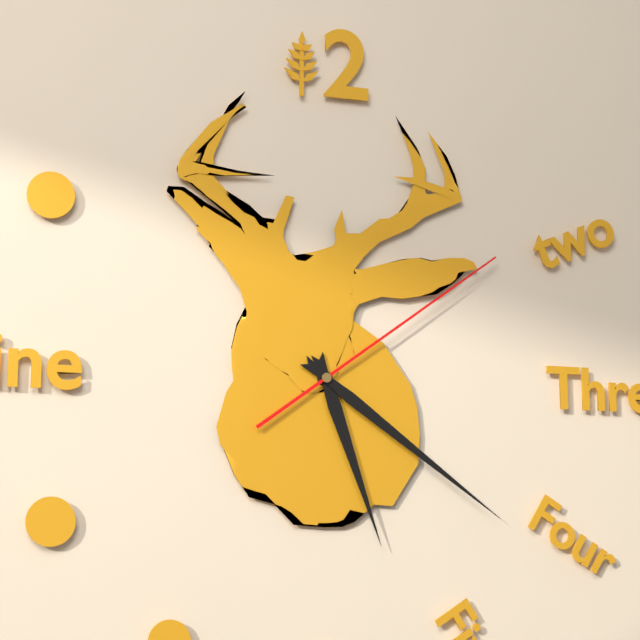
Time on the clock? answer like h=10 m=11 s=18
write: h=5 m=21 s=9
